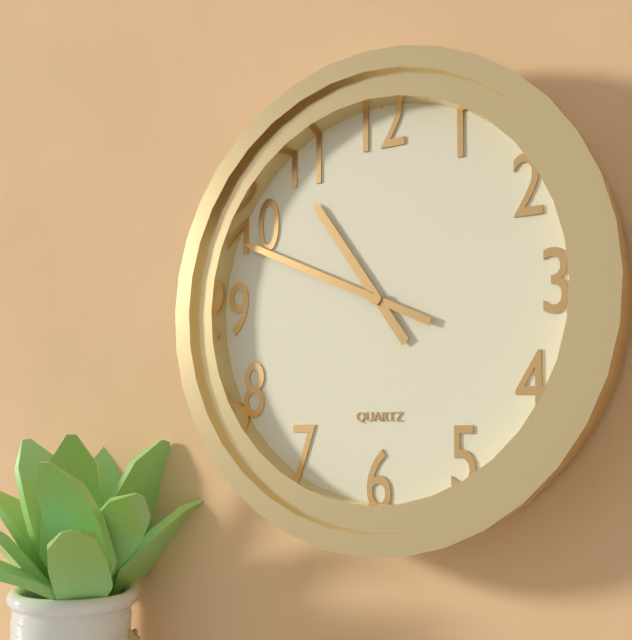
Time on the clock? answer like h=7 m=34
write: h=10 m=49
